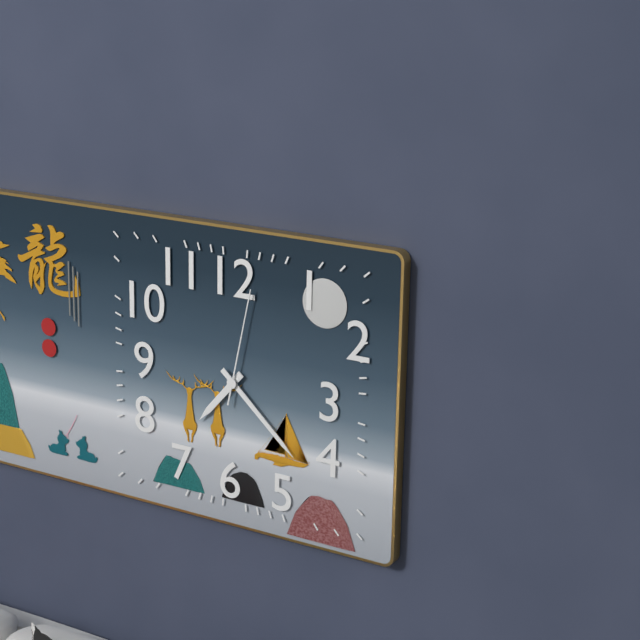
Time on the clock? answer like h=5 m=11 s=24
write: h=7 m=22 s=2
